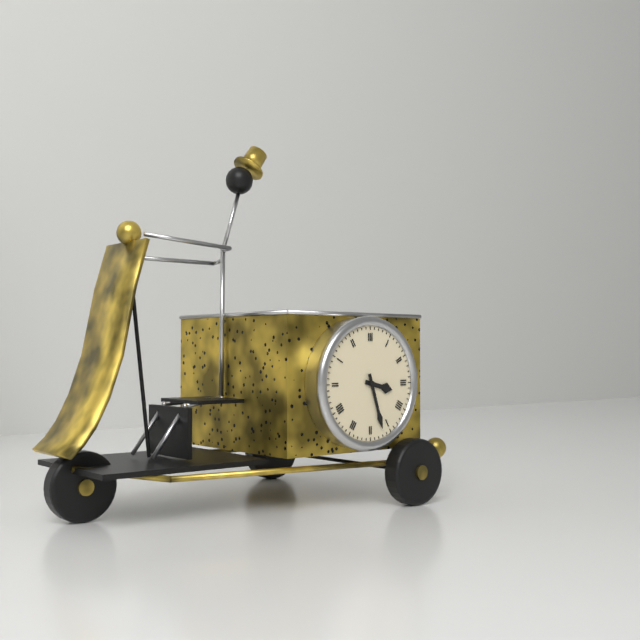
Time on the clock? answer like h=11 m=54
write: h=3 m=27
